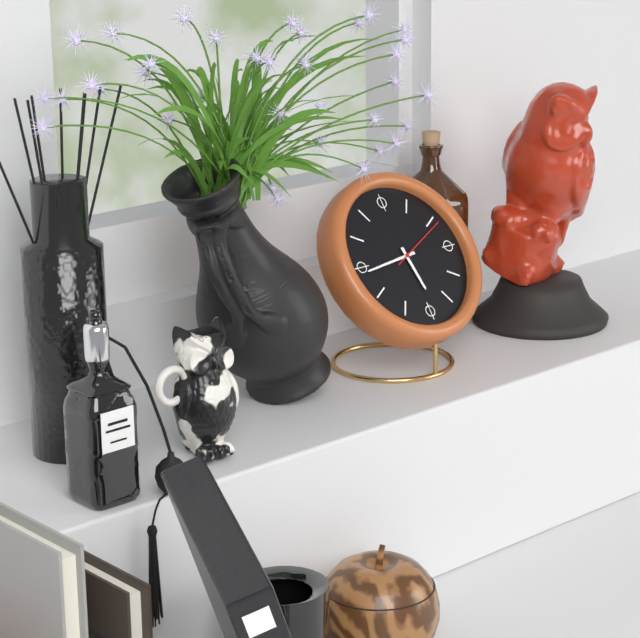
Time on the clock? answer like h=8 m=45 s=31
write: h=5 m=44 s=11
